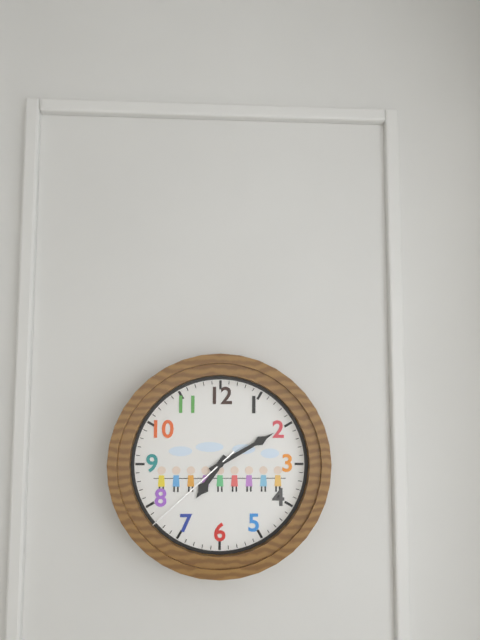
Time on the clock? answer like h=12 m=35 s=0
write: h=7 m=10 s=38
